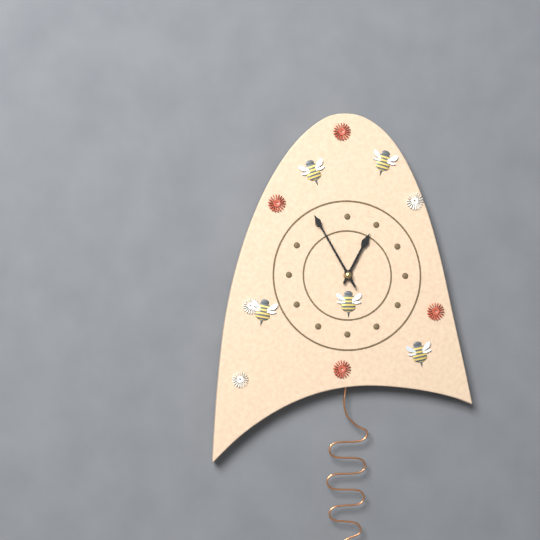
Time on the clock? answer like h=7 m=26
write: h=12 m=55
